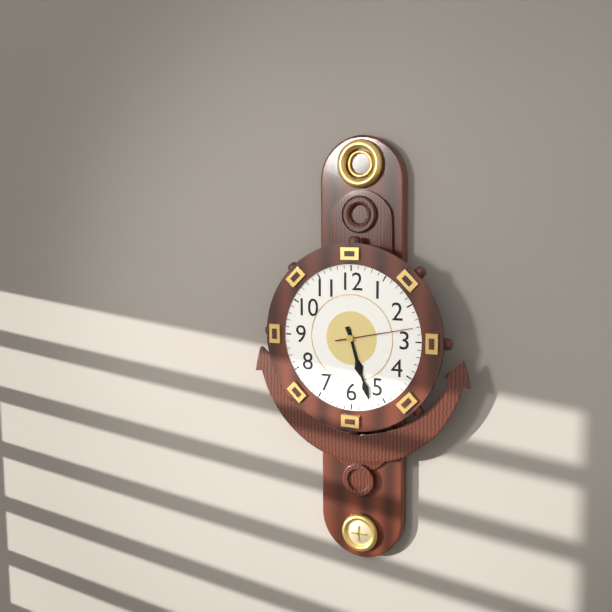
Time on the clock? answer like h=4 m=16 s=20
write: h=5 m=27 s=13
